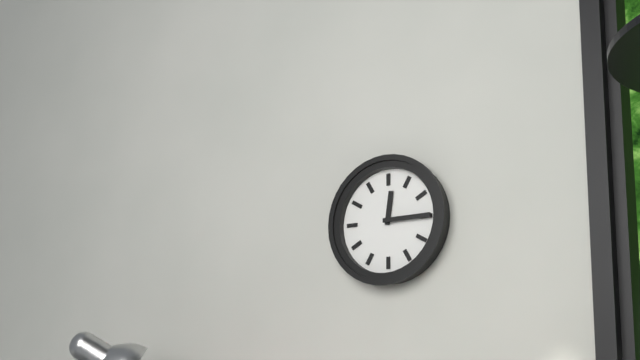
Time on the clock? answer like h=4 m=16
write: h=12 m=15
